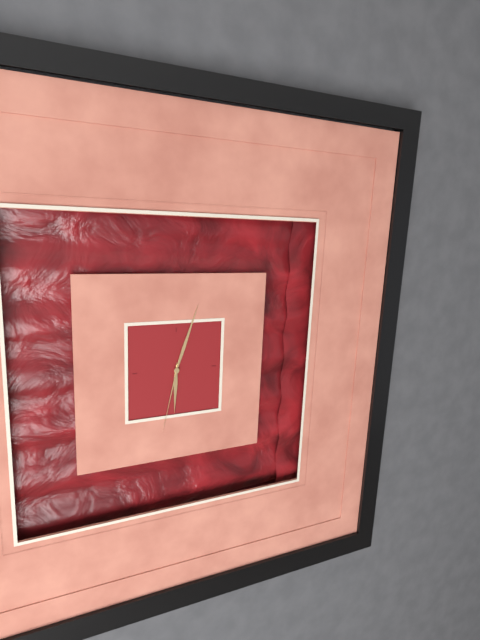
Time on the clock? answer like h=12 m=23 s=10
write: h=6 m=3 s=32
